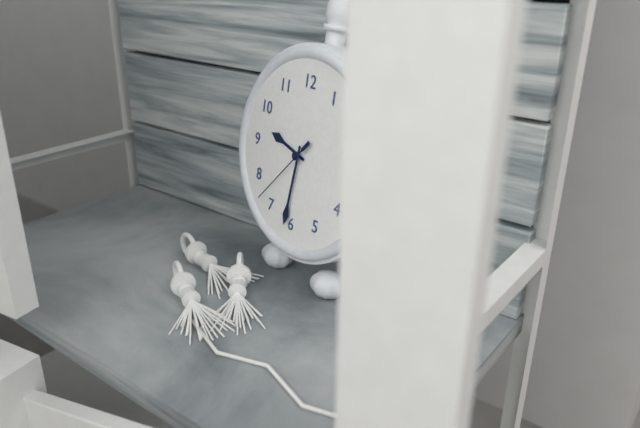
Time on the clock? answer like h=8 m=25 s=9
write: h=9 m=31 s=37
